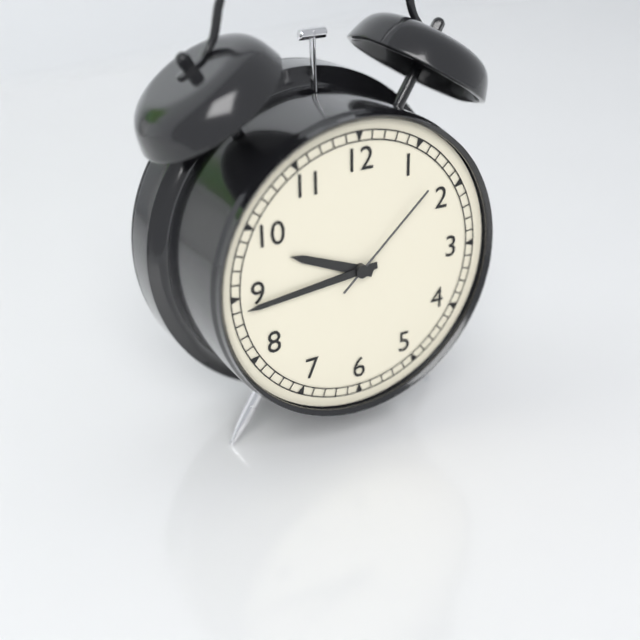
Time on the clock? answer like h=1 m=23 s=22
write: h=9 m=44 s=8
